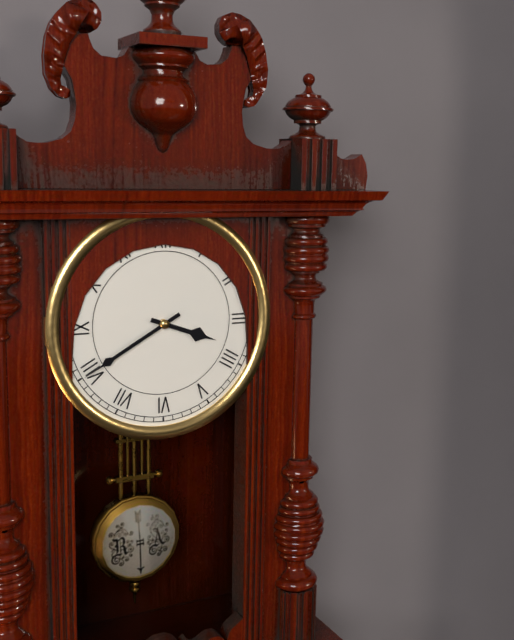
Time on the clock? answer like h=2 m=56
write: h=3 m=40
